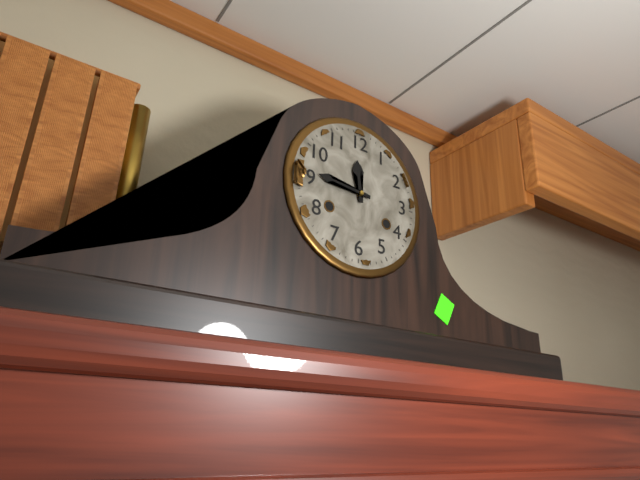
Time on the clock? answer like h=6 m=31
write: h=11 m=46
